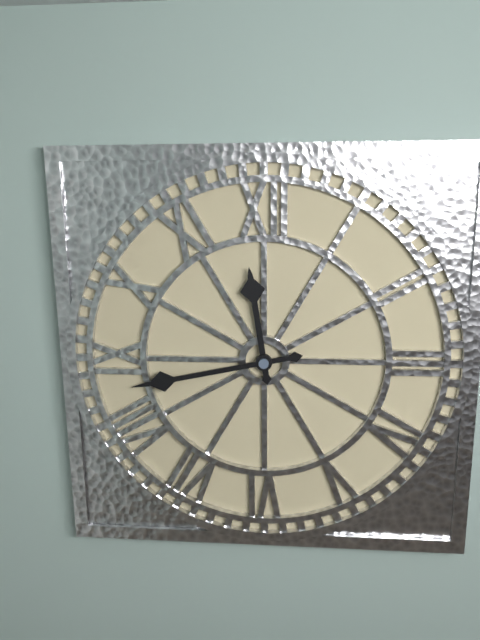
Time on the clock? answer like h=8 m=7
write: h=11 m=43
